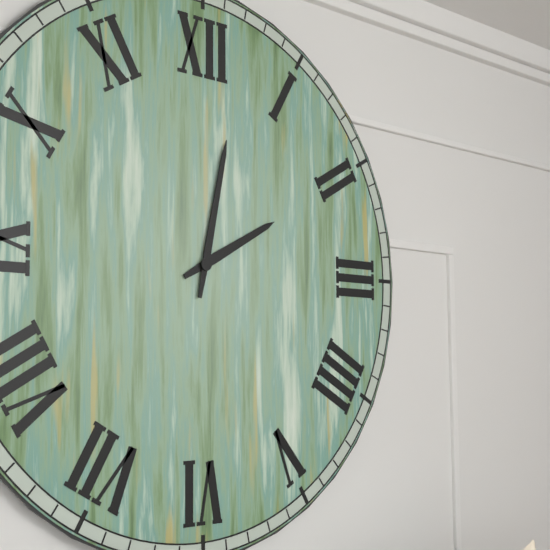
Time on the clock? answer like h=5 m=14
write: h=2 m=2
